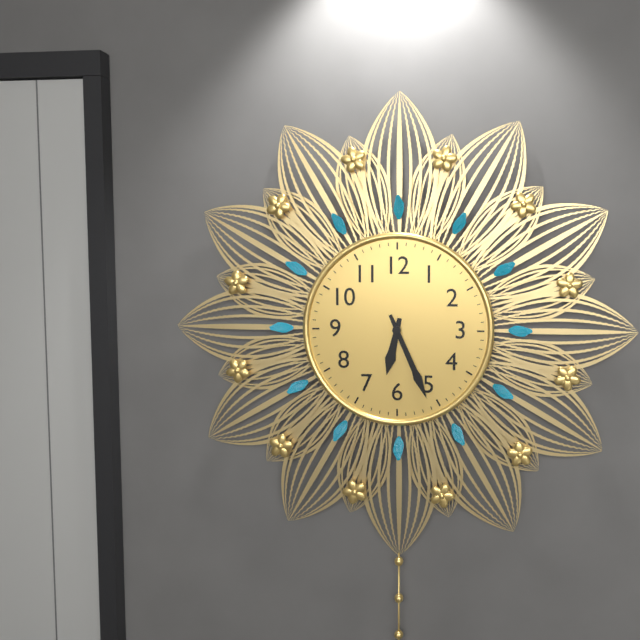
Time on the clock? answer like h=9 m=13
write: h=6 m=26
